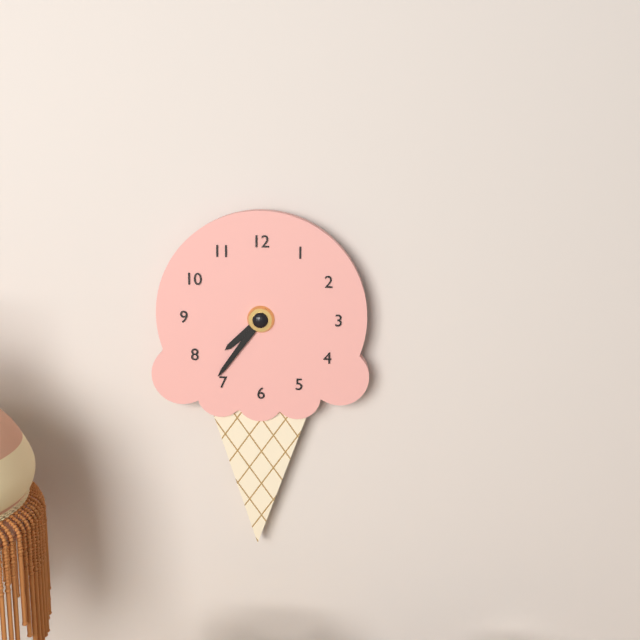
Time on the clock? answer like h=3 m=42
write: h=7 m=36
